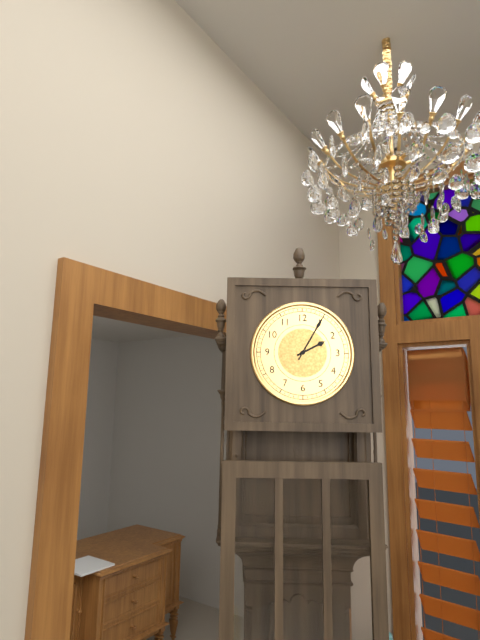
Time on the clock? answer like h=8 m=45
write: h=2 m=5
